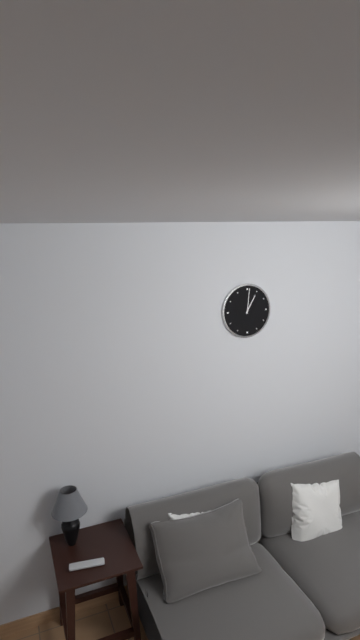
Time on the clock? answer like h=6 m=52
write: h=1 m=1
